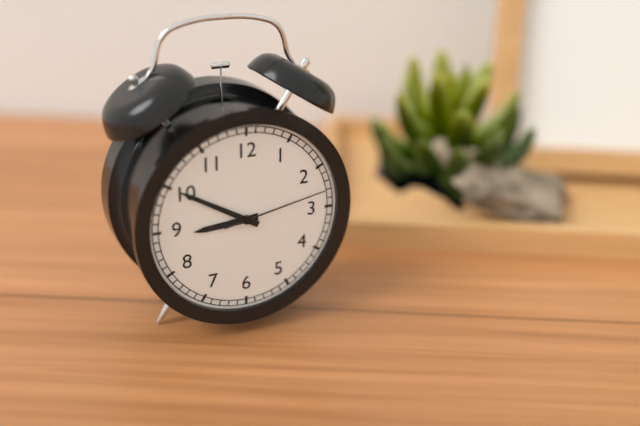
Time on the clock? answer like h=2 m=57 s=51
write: h=8 m=50 s=13
